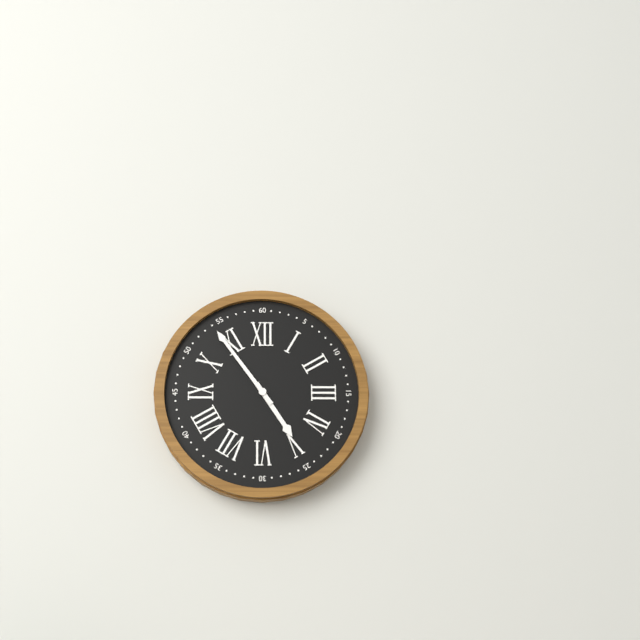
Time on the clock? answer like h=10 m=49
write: h=4 m=54
